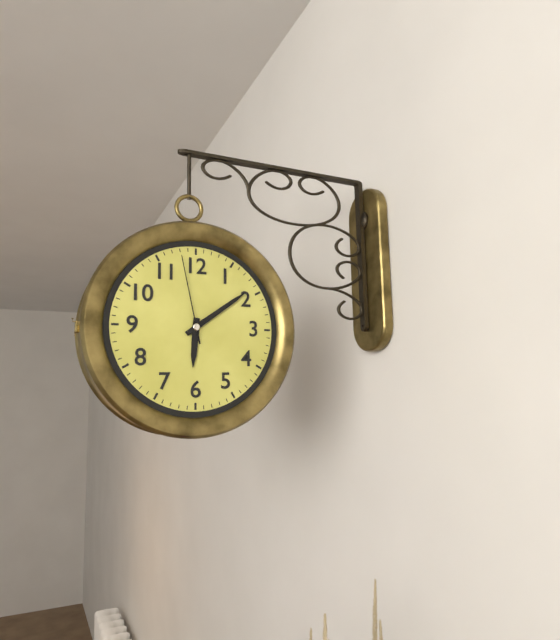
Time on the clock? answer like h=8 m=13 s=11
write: h=6 m=9 s=58
